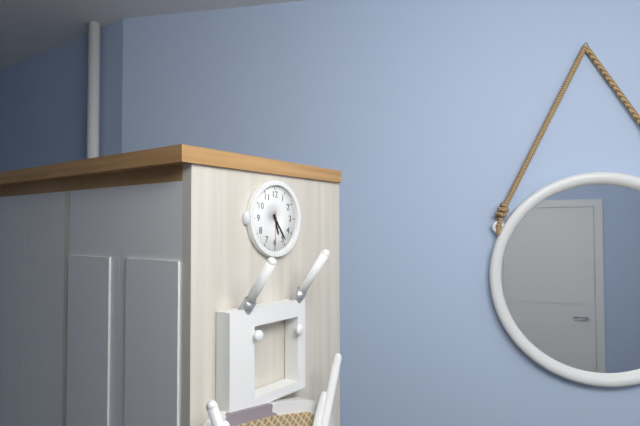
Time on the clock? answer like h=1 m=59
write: h=5 m=24
